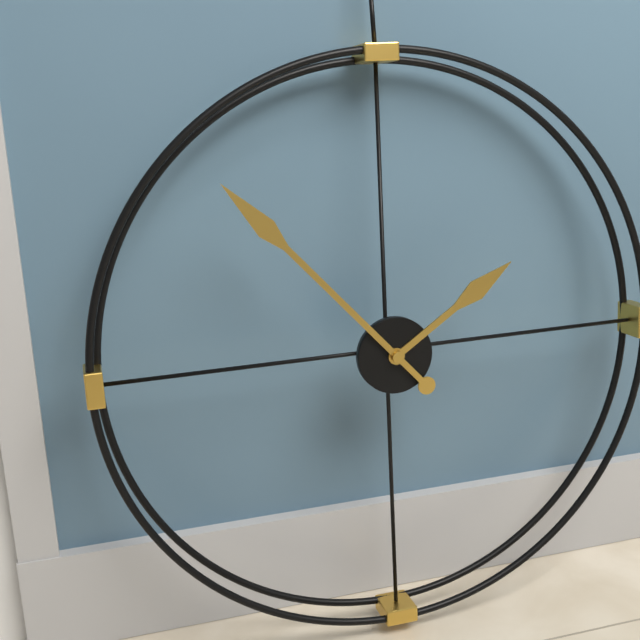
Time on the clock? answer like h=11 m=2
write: h=1 m=53
